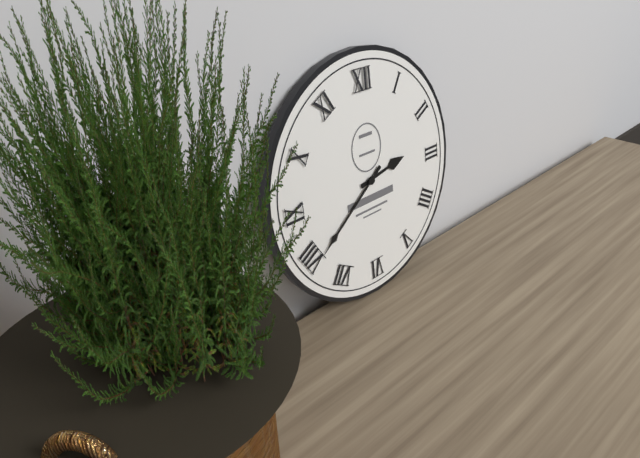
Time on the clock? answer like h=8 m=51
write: h=2 m=39
